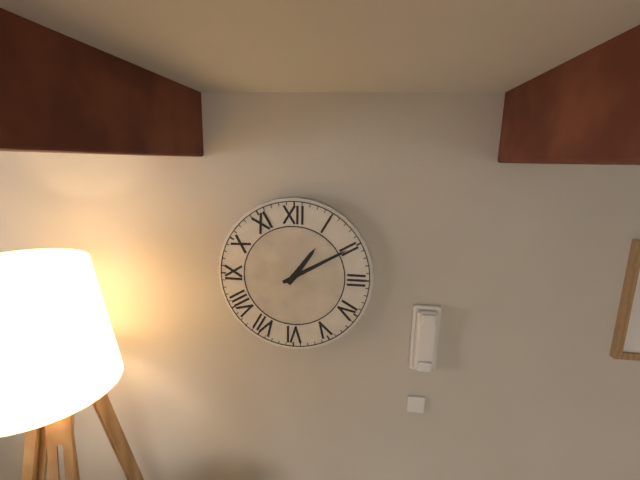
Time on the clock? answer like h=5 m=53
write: h=1 m=10
